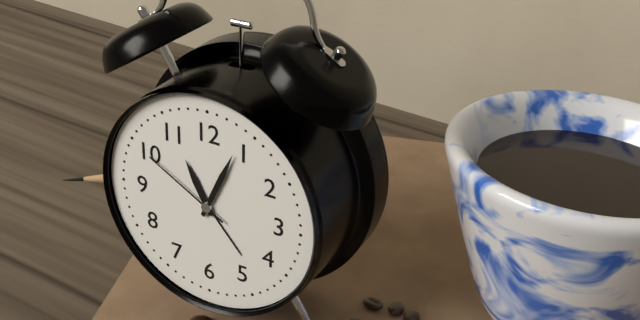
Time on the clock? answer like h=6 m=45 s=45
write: h=11 m=4 s=50
